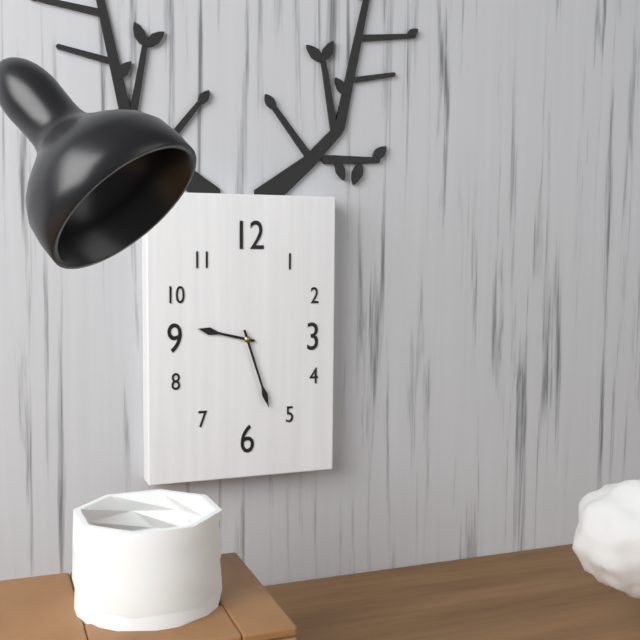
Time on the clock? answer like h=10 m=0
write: h=9 m=27
